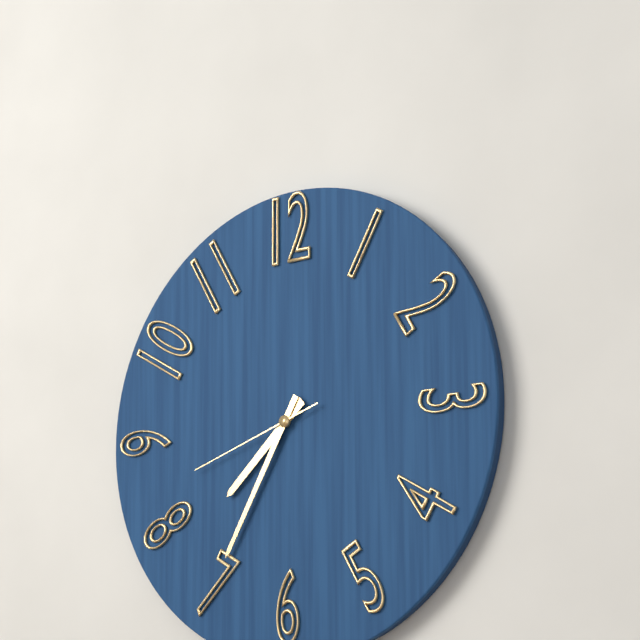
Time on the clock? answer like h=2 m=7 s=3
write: h=7 m=35 s=42
